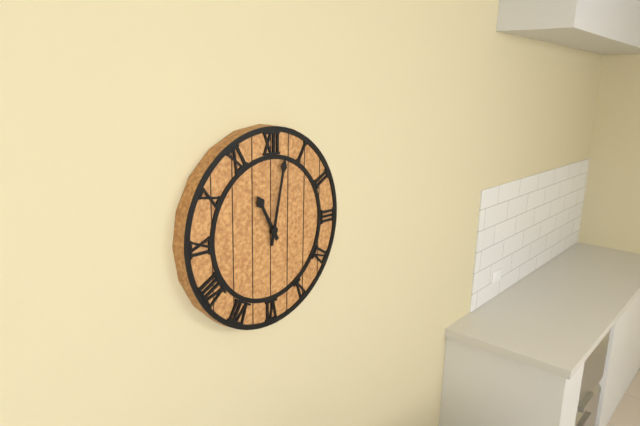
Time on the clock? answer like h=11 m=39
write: h=11 m=2
